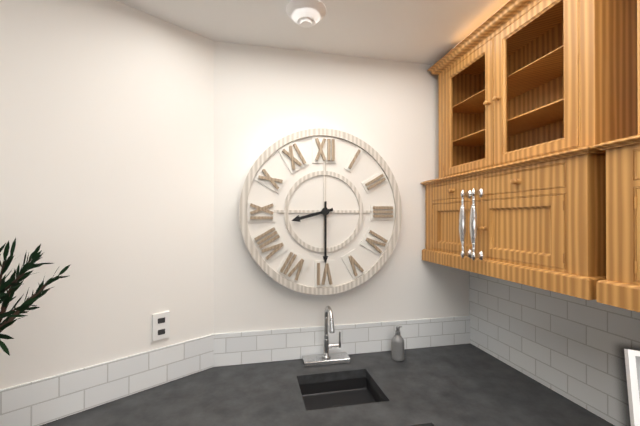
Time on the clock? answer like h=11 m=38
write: h=8 m=30
